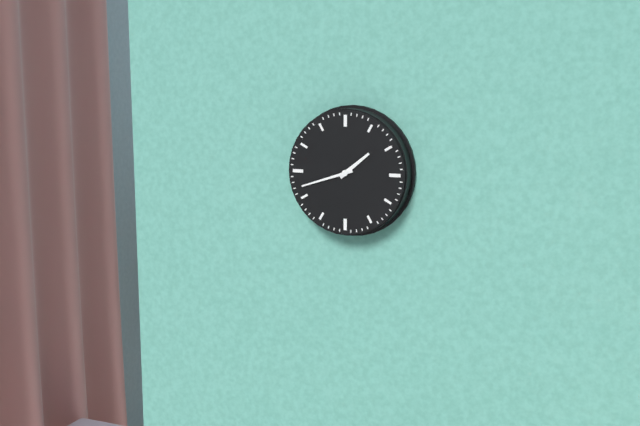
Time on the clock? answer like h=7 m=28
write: h=1 m=42
